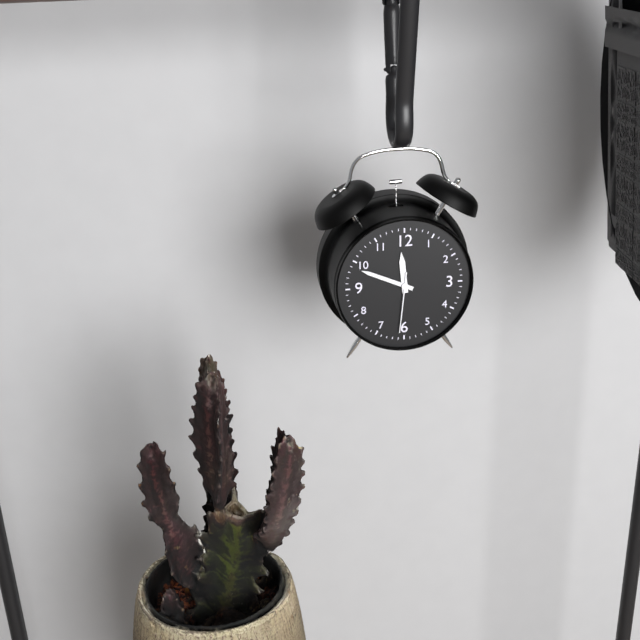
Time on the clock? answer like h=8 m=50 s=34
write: h=11 m=49 s=31
